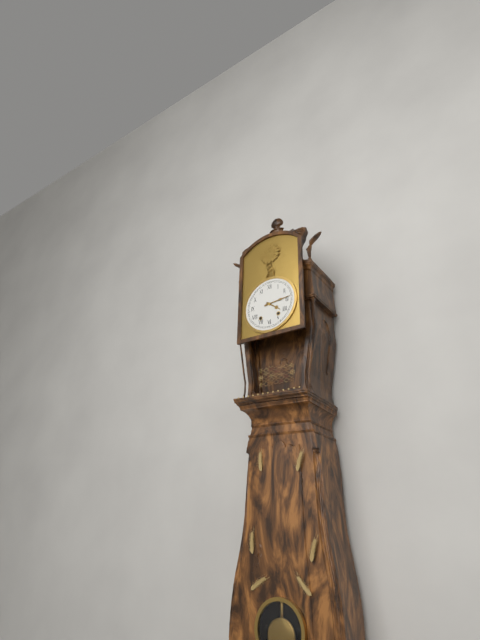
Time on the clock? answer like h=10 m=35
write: h=4 m=14
